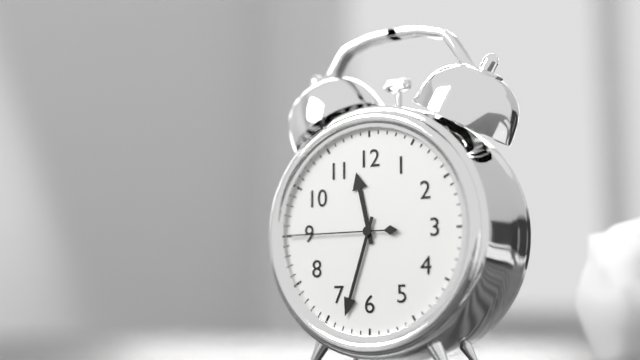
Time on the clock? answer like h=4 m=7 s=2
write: h=11 m=33 s=45
